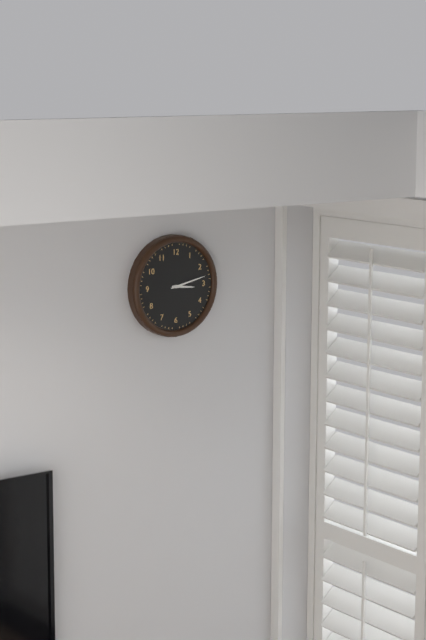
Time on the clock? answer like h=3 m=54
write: h=3 m=13
